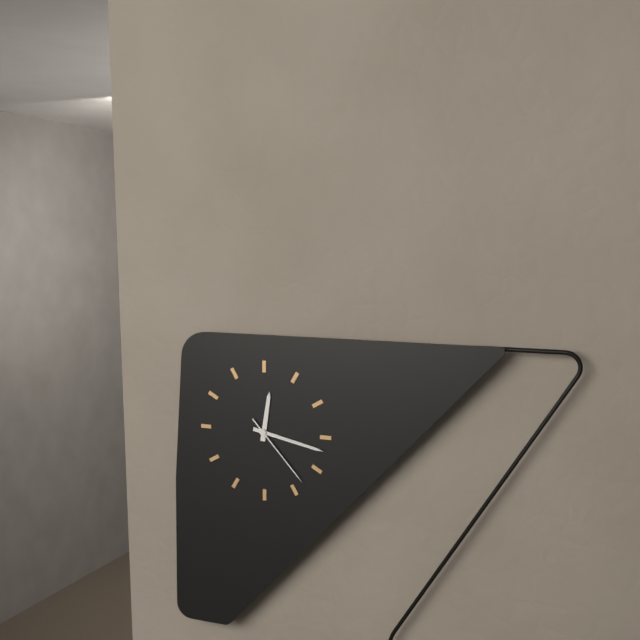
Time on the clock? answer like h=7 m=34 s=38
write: h=12 m=17 s=23
